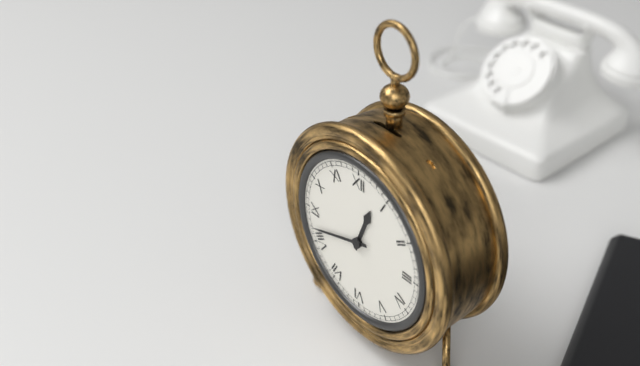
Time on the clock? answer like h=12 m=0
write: h=12 m=42
